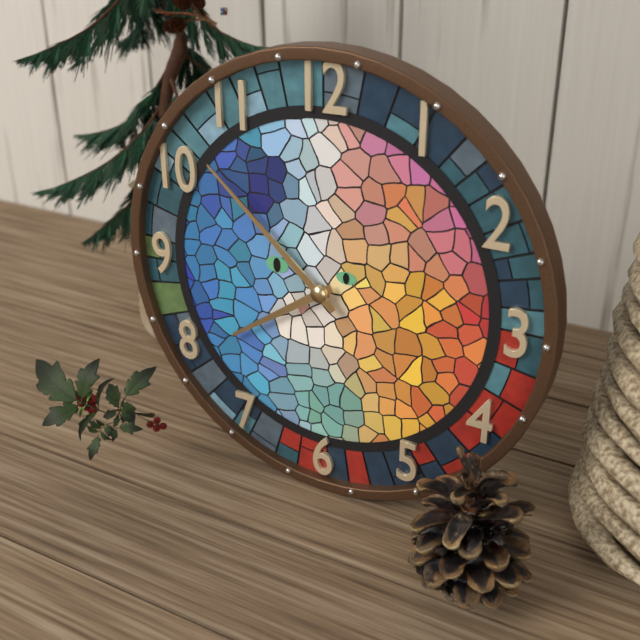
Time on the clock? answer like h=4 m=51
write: h=7 m=52
